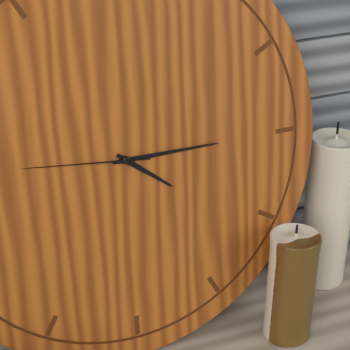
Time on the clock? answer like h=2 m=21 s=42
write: h=4 m=15 s=46
